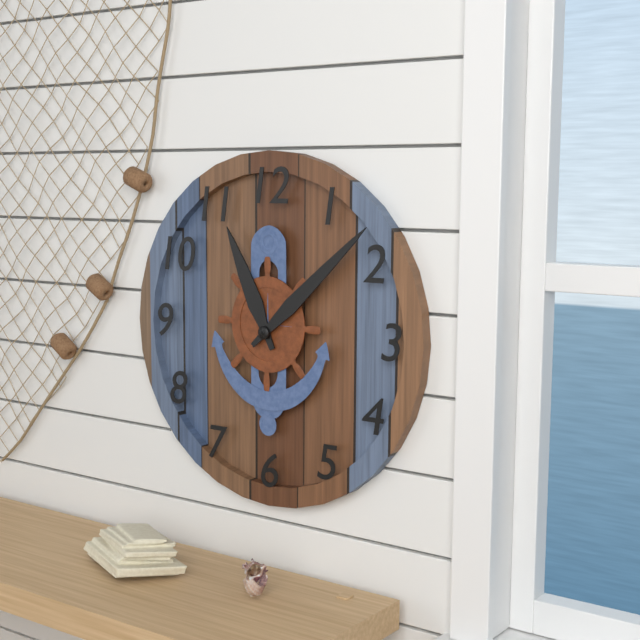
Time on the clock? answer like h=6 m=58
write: h=11 m=8
